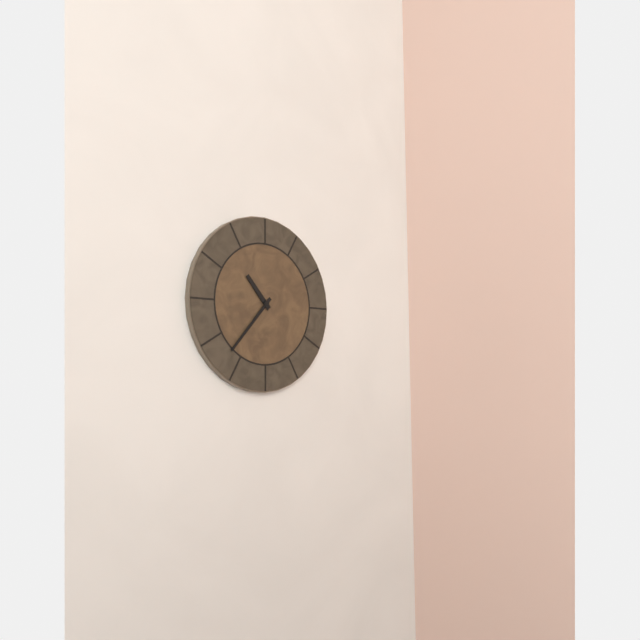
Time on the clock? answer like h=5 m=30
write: h=10 m=37
